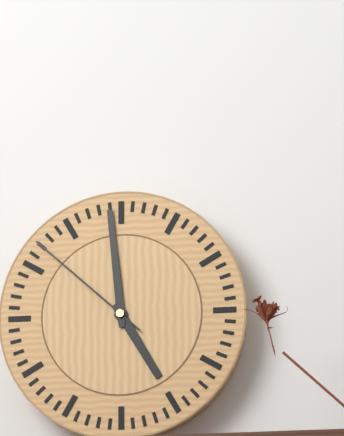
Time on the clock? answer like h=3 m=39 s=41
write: h=4 m=59 s=52
